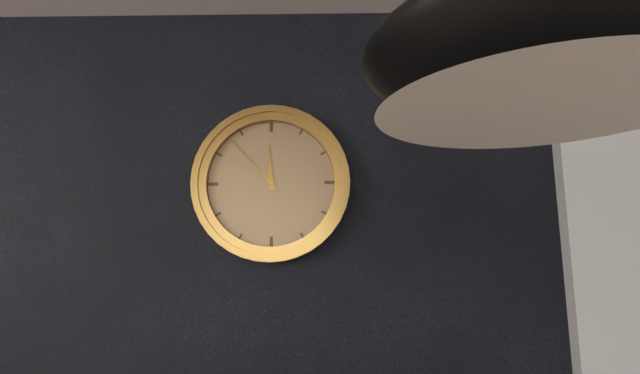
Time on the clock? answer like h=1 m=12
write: h=11 m=53
